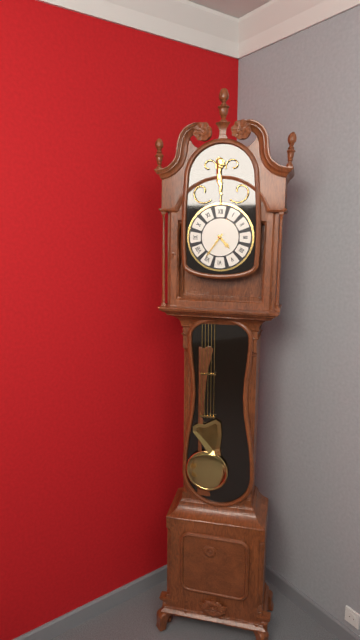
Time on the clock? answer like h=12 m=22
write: h=4 m=36
